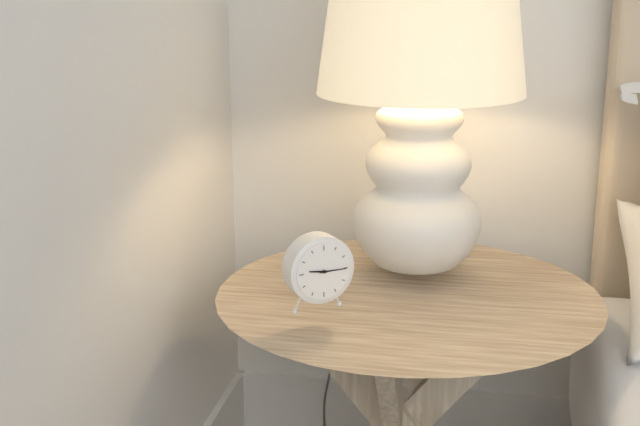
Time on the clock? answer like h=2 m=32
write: h=9 m=15
